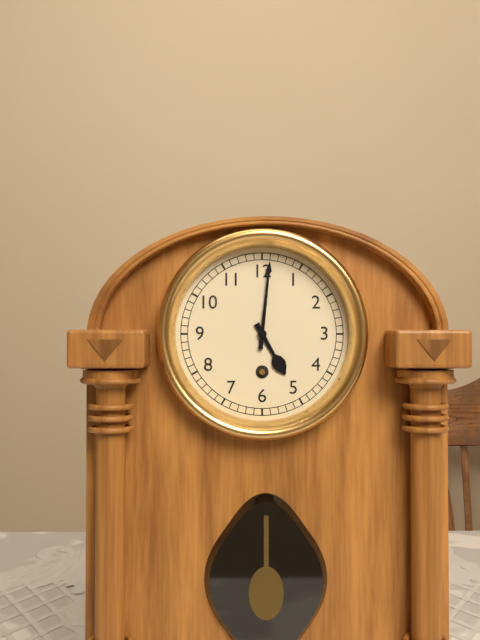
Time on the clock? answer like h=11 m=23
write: h=5 m=1
